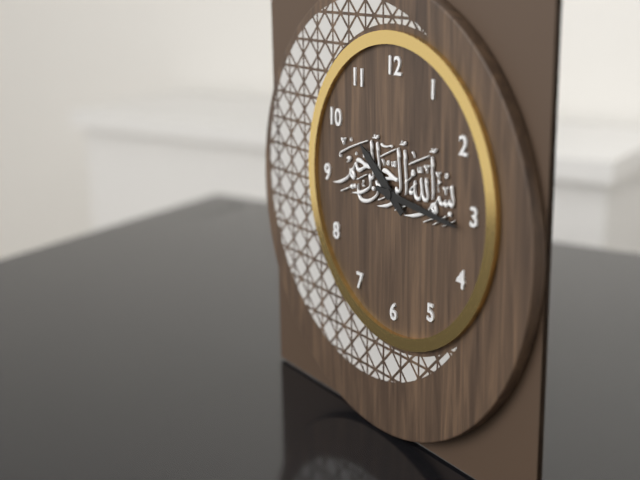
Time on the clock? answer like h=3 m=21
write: h=10 m=16
